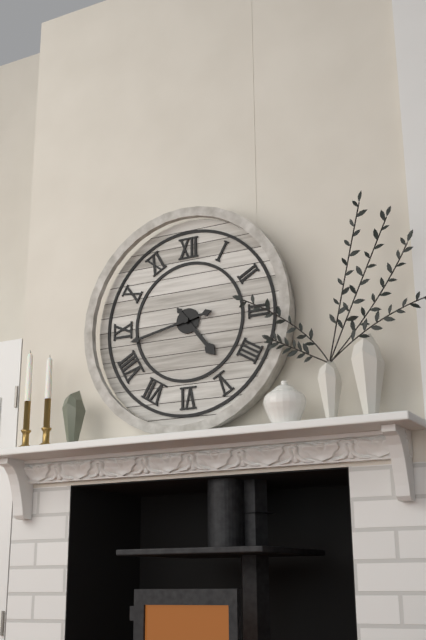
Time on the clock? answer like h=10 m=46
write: h=4 m=43
